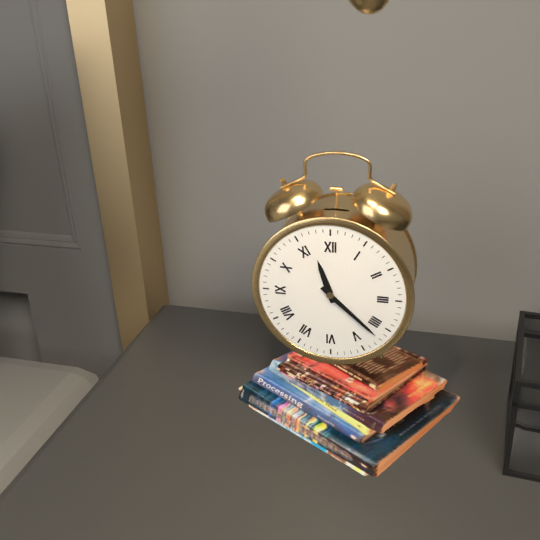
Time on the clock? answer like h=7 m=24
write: h=11 m=22
